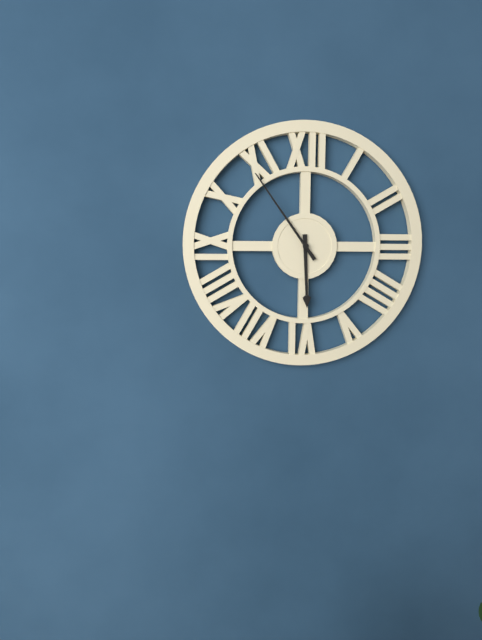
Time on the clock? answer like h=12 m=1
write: h=5 m=54
